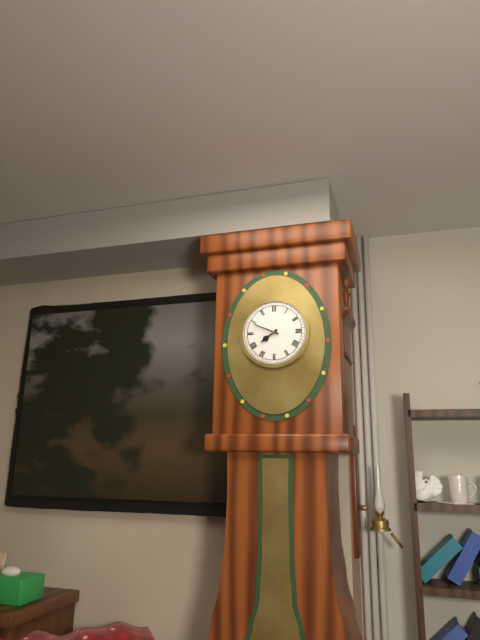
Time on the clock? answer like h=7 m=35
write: h=7 m=49
